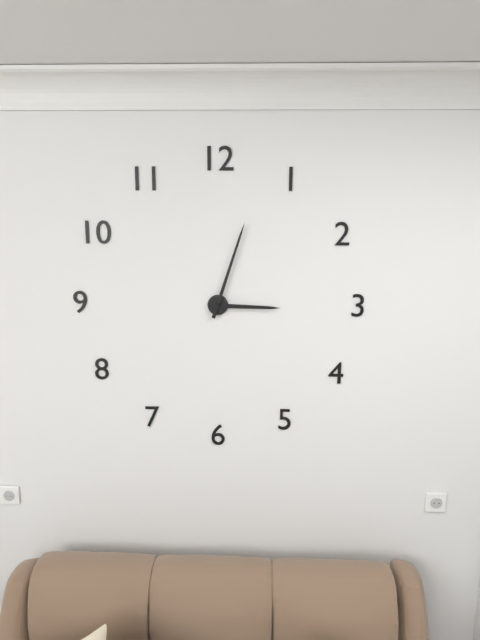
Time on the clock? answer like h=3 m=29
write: h=3 m=3
